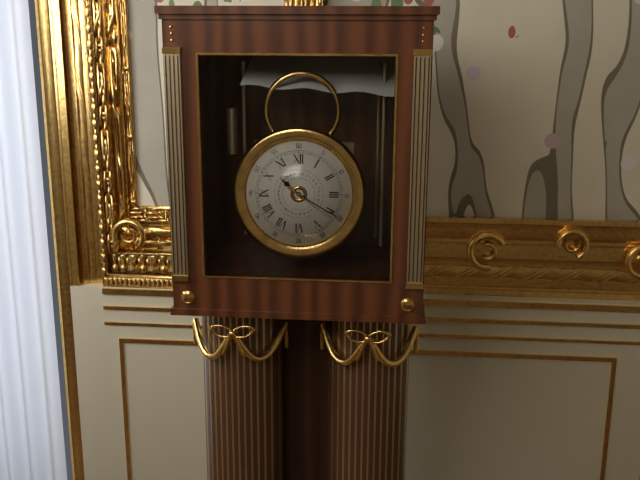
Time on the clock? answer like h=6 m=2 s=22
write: h=10 m=20 s=21
